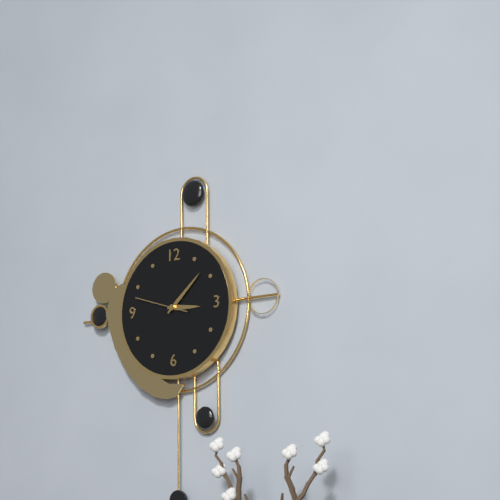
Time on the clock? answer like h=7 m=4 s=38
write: h=3 m=8 s=48
